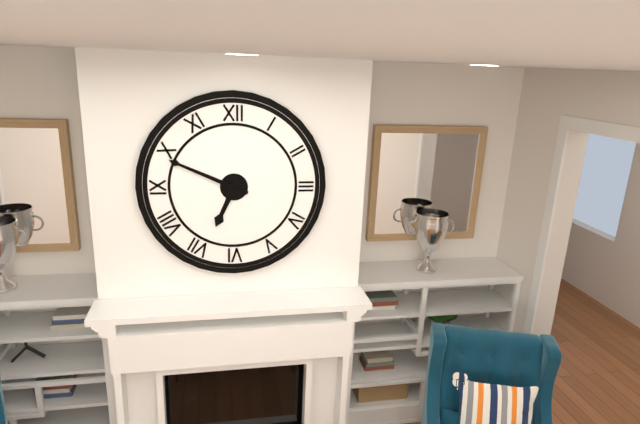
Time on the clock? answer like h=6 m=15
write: h=6 m=49
